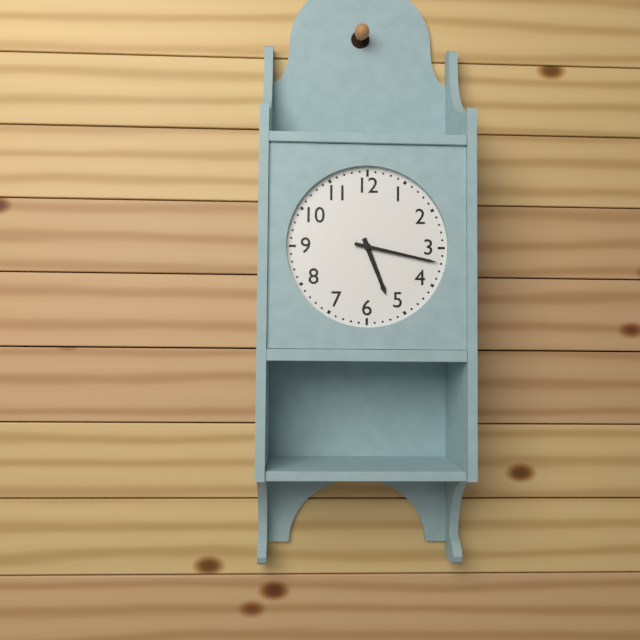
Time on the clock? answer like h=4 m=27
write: h=5 m=17
